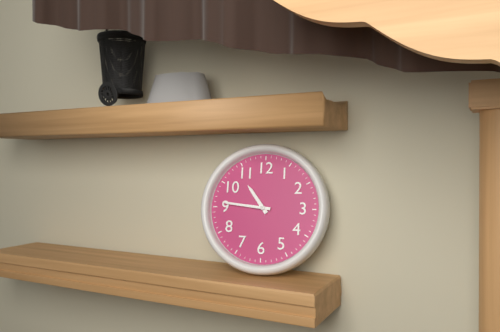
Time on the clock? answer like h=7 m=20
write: h=10 m=46
